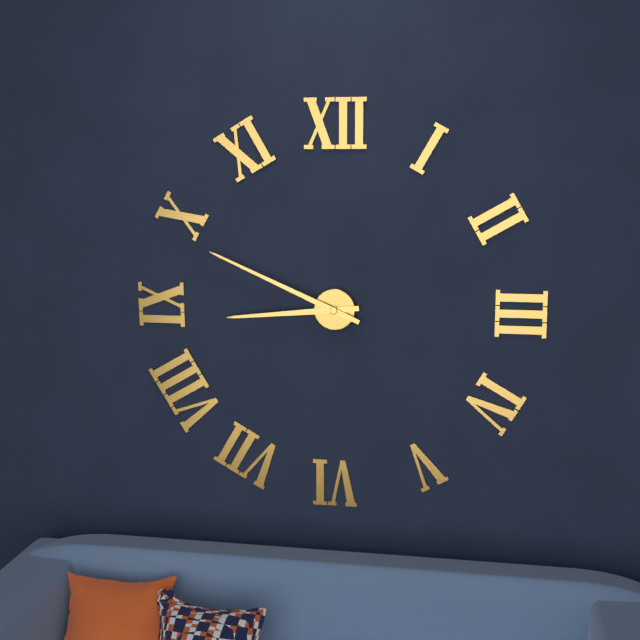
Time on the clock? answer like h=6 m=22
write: h=8 m=49
